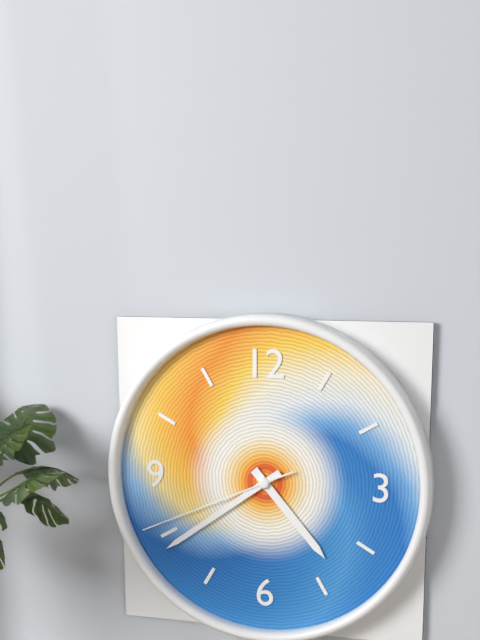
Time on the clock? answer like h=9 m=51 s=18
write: h=4 m=39 s=41
